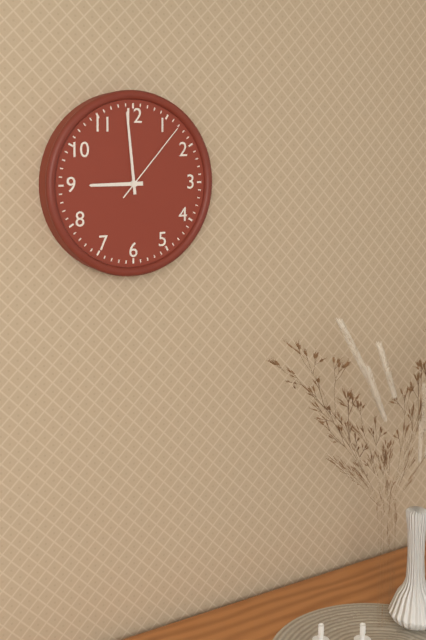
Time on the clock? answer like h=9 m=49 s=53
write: h=8 m=59 s=7
